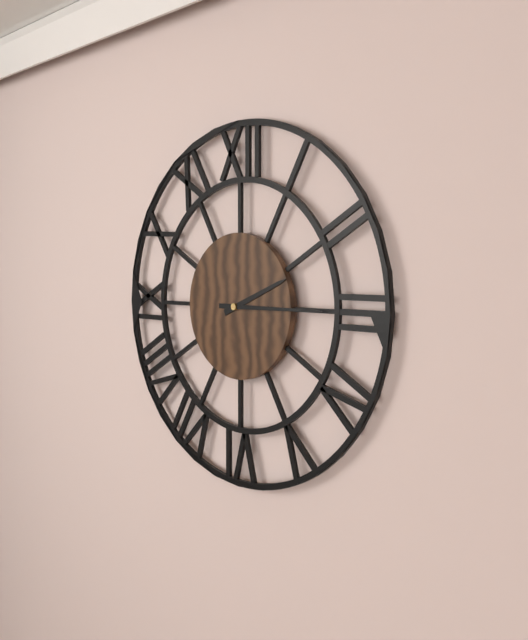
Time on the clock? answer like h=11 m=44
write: h=2 m=15
